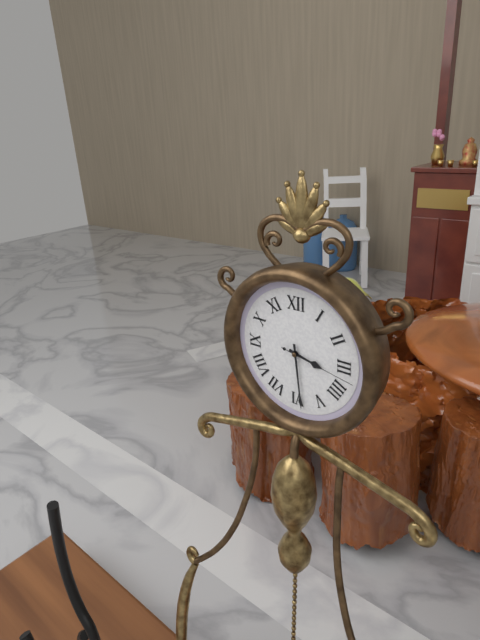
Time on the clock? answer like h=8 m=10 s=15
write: h=3 m=29 s=17
